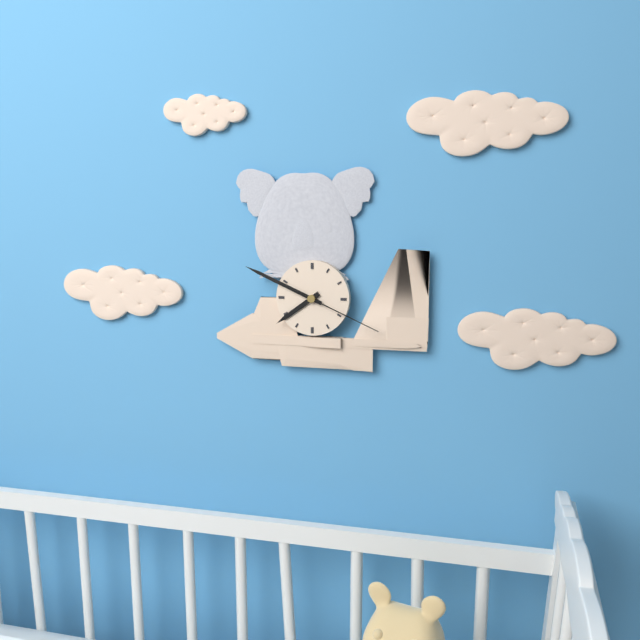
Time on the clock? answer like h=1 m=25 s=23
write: h=7 m=49 s=19
